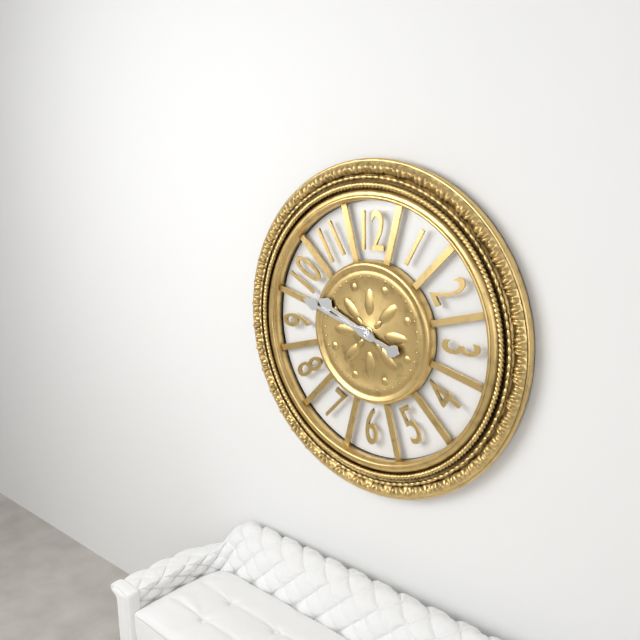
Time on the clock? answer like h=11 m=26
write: h=9 m=48
